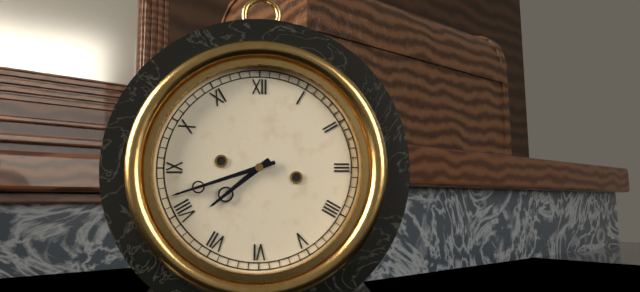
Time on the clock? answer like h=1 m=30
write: h=7 m=42
